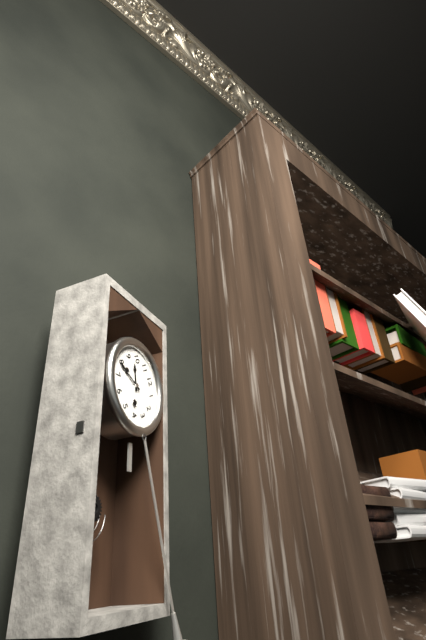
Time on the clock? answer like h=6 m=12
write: h=9 m=39
